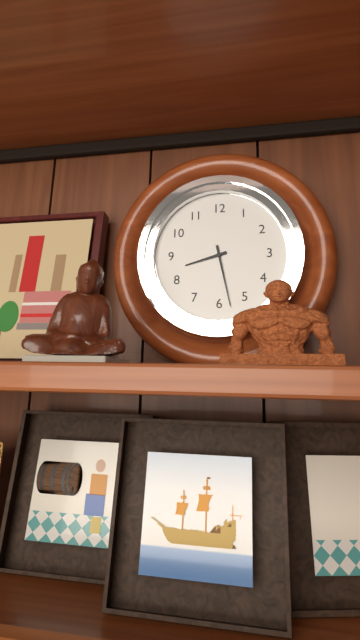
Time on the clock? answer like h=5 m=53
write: h=8 m=28
